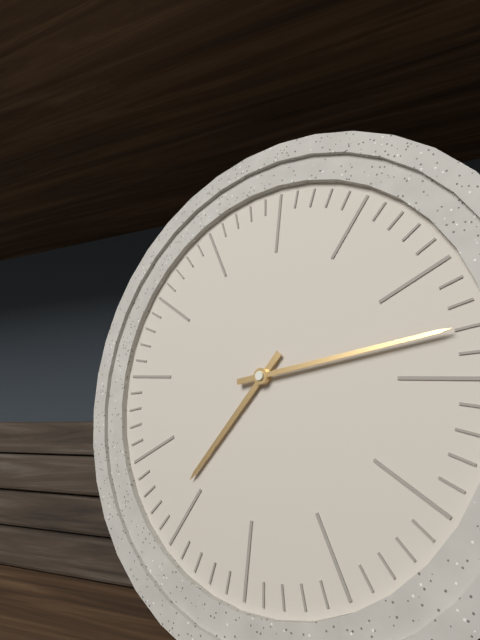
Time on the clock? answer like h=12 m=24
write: h=7 m=13
